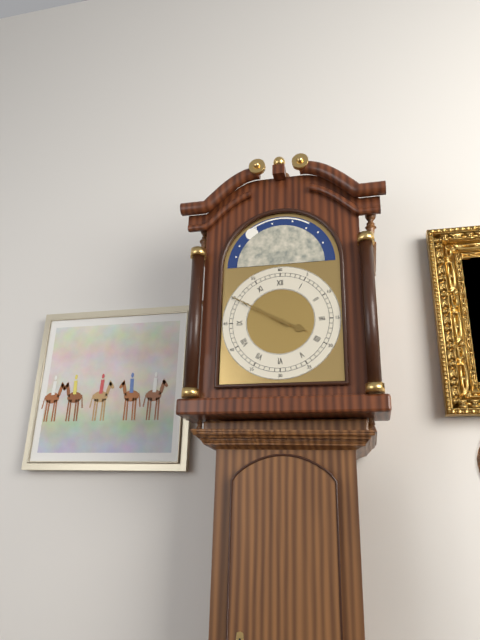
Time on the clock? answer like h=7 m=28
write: h=3 m=50
